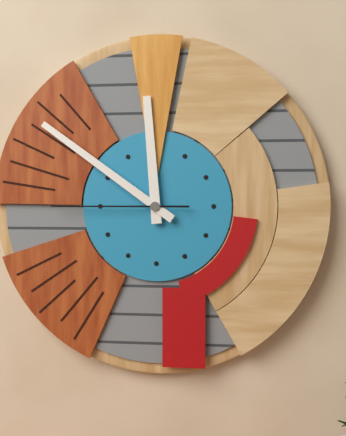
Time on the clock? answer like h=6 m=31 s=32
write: h=11 m=51 s=45
